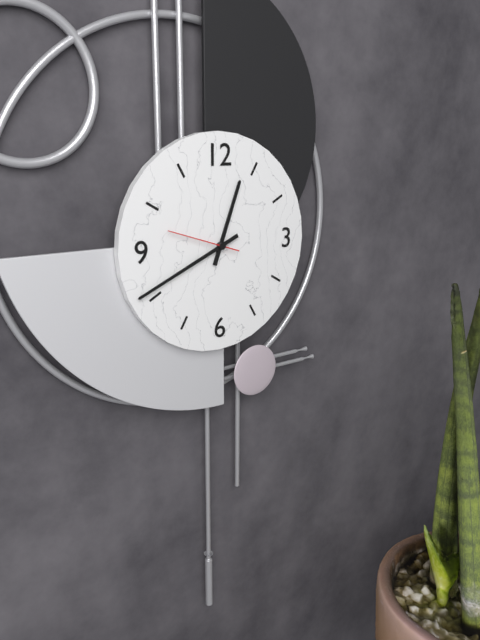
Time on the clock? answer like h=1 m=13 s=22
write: h=12 m=41 s=48
